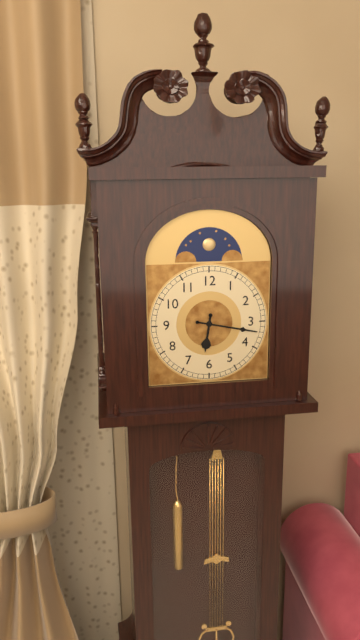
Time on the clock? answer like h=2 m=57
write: h=6 m=17
